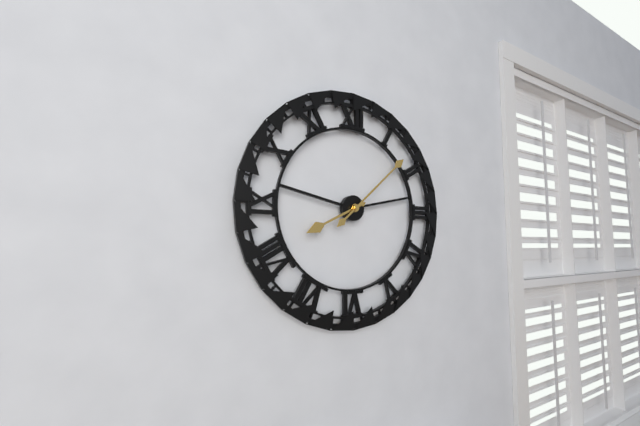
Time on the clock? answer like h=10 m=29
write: h=8 m=8
